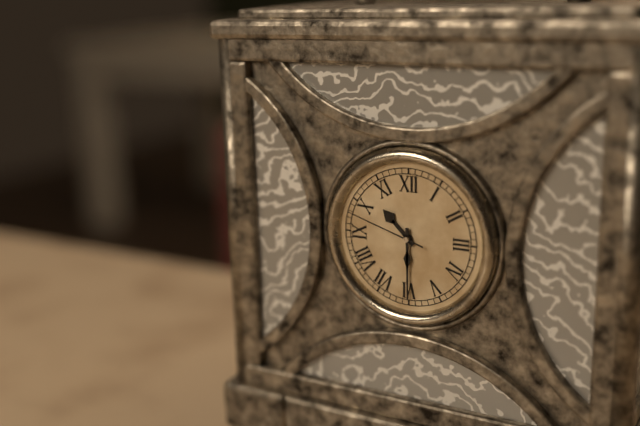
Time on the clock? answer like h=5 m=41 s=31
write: h=10 m=30 s=48
